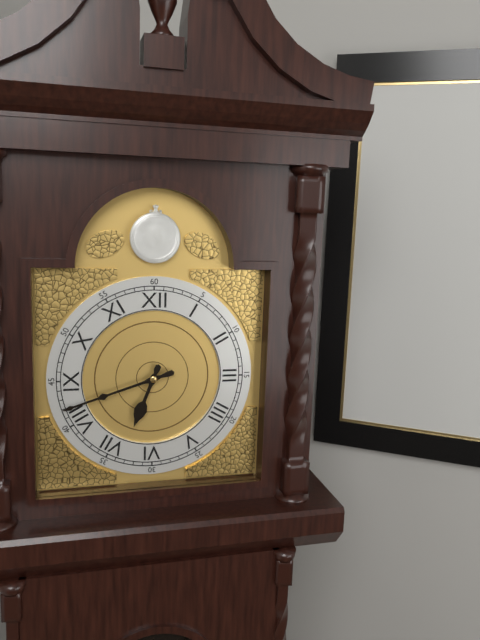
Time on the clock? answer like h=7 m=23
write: h=6 m=42
